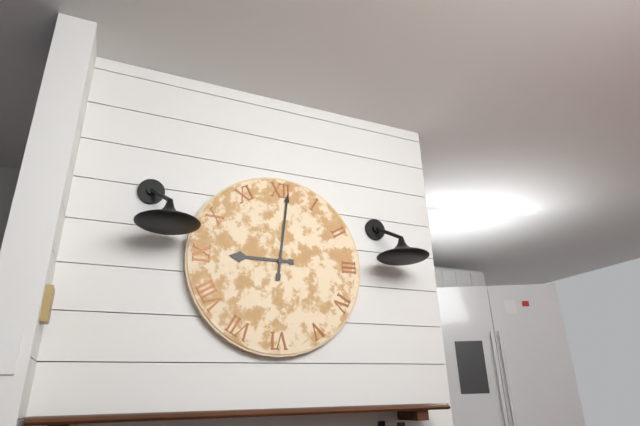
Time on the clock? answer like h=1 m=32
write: h=9 m=1
